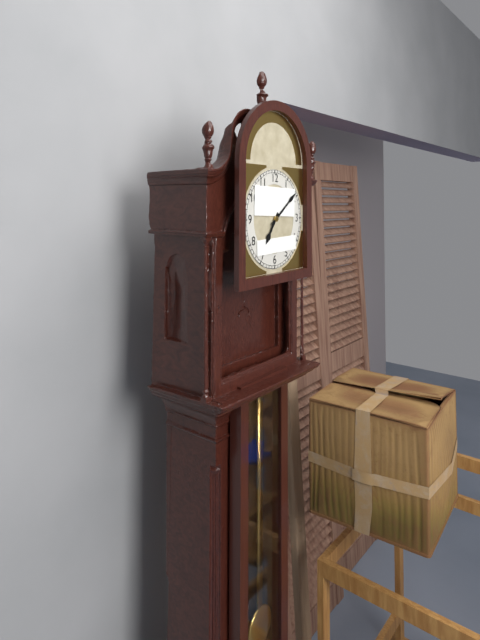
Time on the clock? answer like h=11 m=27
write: h=7 m=9
